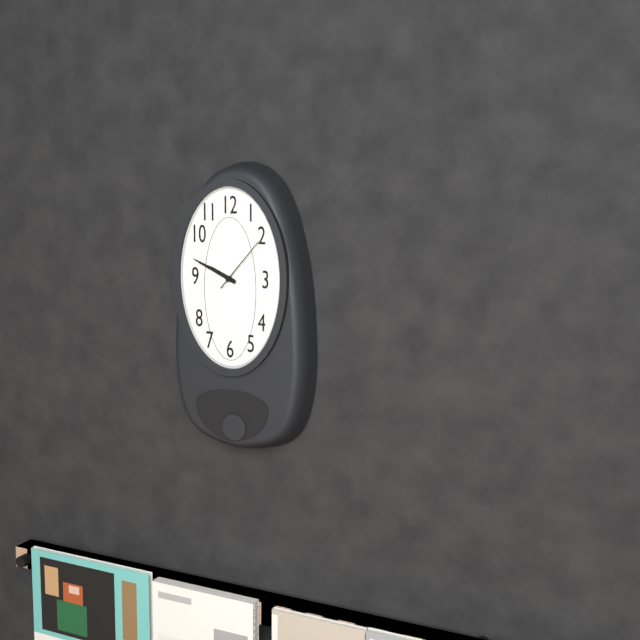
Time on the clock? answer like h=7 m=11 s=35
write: h=9 m=49 s=7
